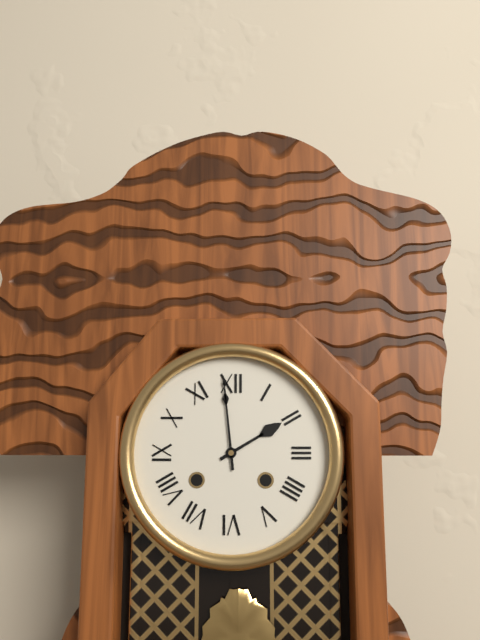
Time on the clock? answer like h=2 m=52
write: h=1 m=59
